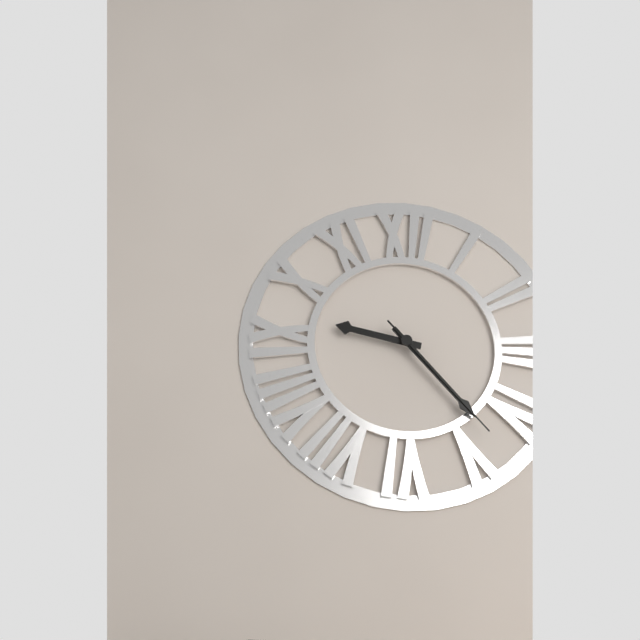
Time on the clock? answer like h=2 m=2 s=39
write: h=9 m=23 s=23
